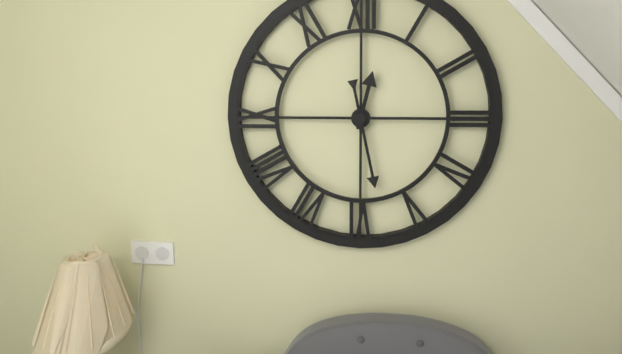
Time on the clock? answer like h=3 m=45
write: h=12 m=28
